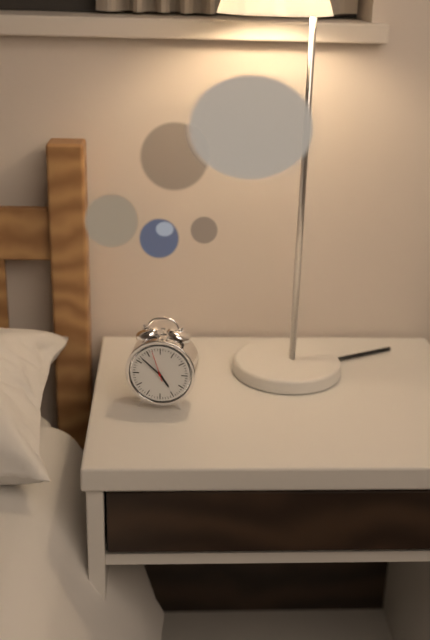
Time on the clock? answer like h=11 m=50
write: h=4 m=52
